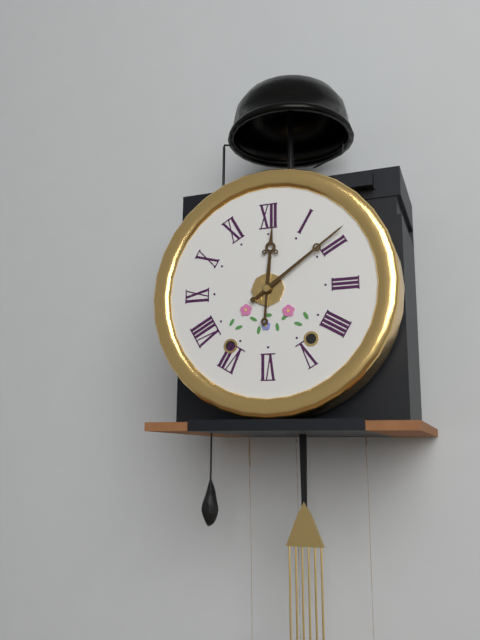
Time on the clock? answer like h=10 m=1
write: h=12 m=9
